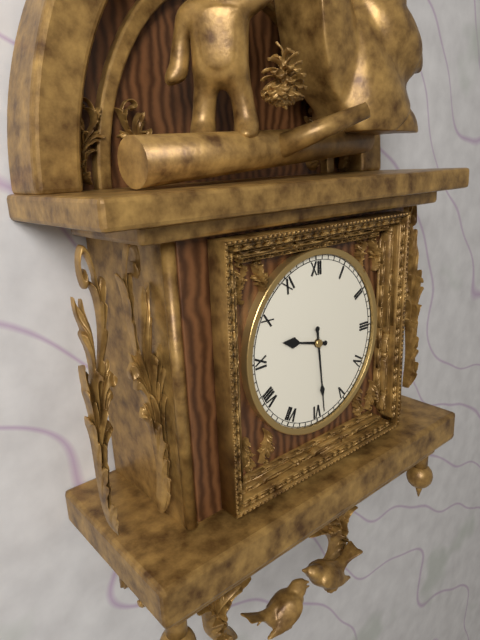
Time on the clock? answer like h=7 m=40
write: h=9 m=29
